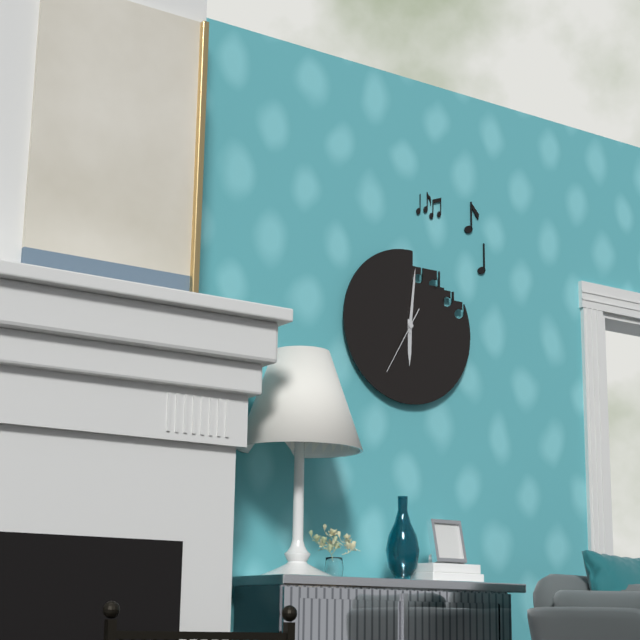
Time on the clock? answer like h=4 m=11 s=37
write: h=6 m=1 s=35
